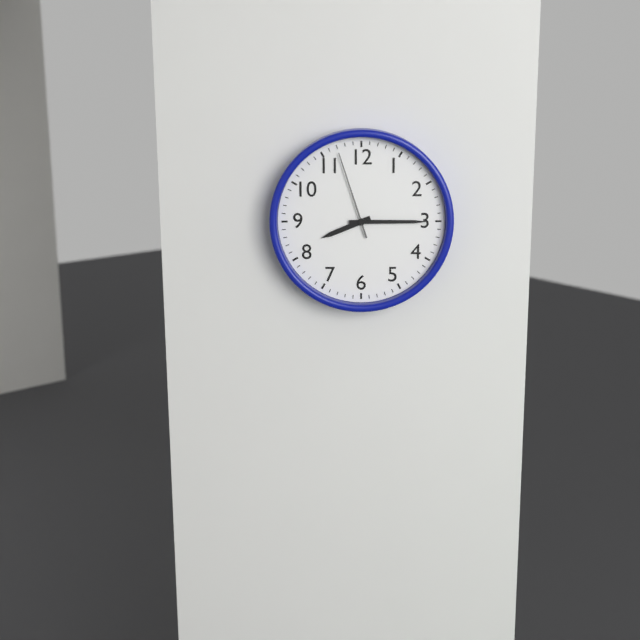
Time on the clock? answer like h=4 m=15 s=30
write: h=8 m=15 s=57
